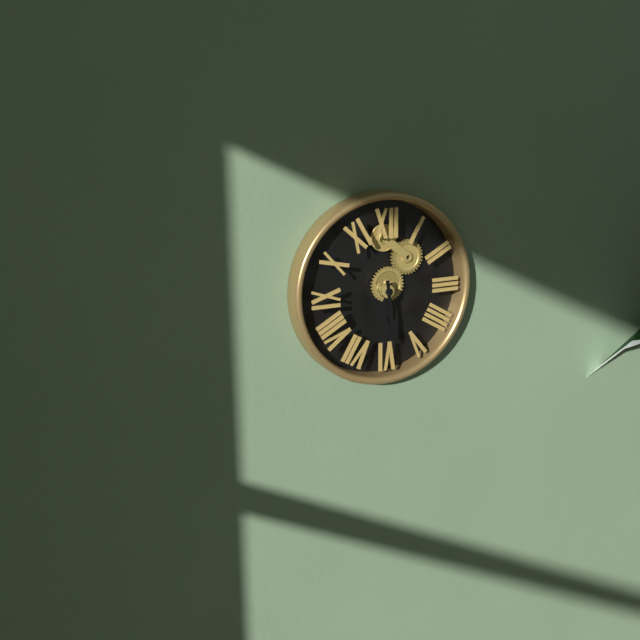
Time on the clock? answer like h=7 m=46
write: h=6 m=29
